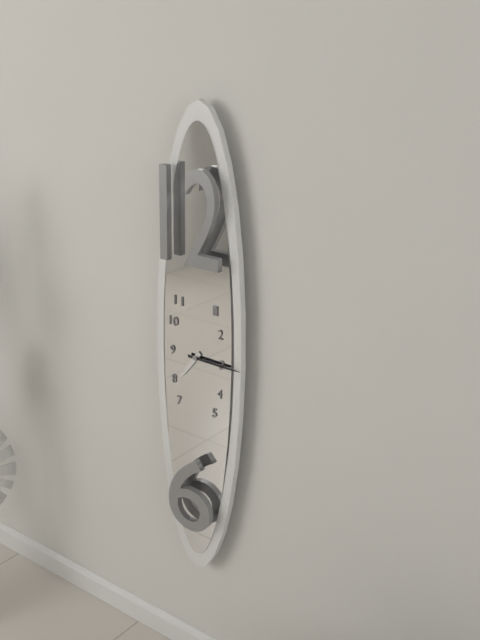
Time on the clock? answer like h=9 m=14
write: h=7 m=15
